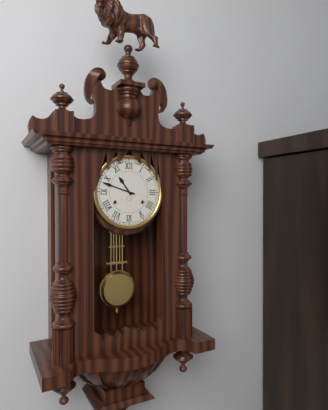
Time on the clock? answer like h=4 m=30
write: h=10 m=48
